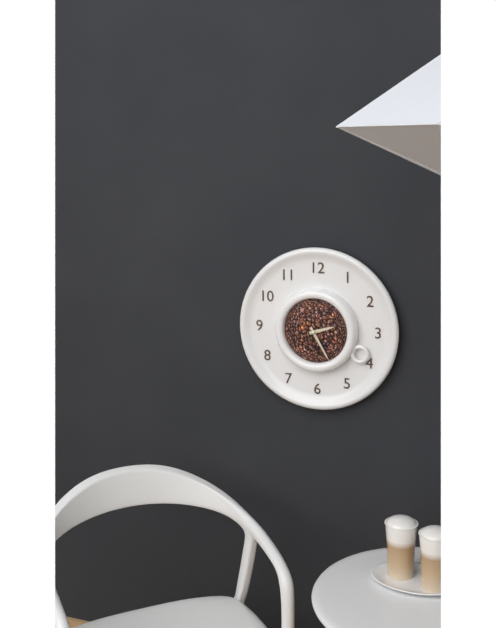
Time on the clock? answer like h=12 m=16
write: h=2 m=25
